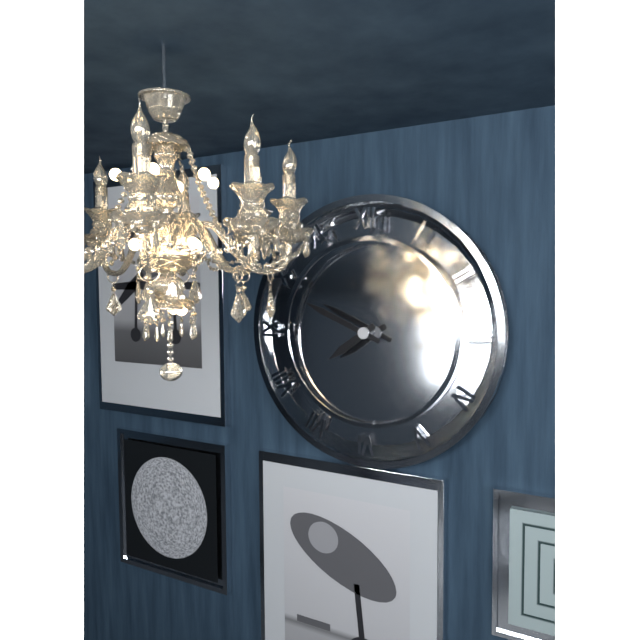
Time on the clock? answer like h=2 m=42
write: h=7 m=49
